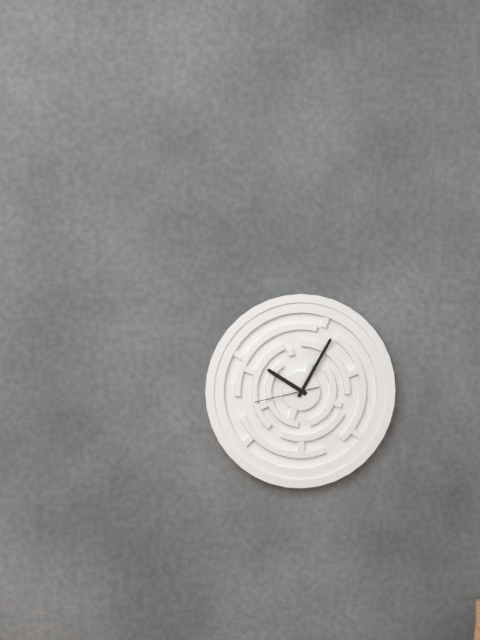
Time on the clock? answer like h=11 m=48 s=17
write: h=10 m=5 s=43
